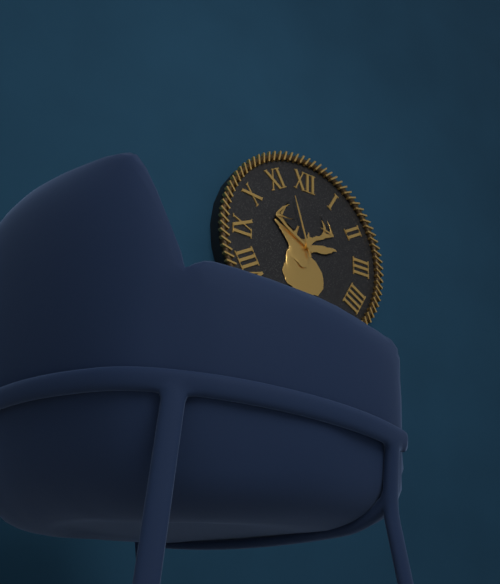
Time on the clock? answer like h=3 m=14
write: h=9 m=57
